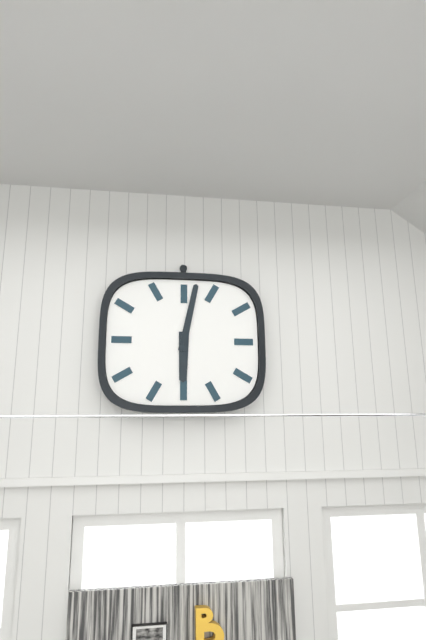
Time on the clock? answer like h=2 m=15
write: h=6 m=2
